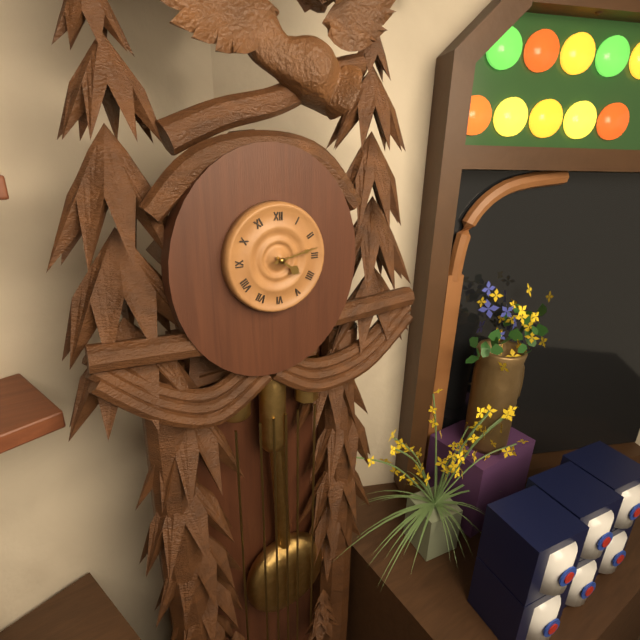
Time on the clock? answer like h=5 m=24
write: h=4 m=13
